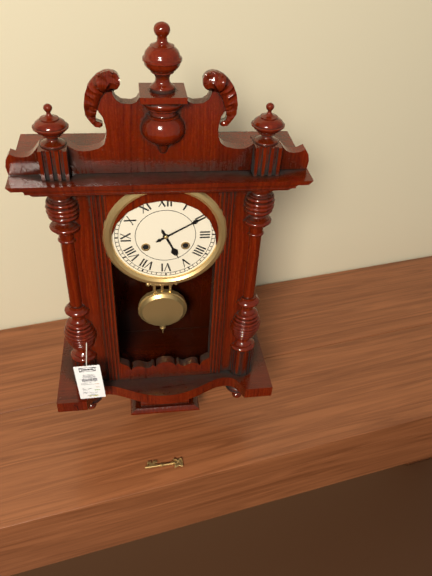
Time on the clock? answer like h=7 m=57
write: h=5 m=10
